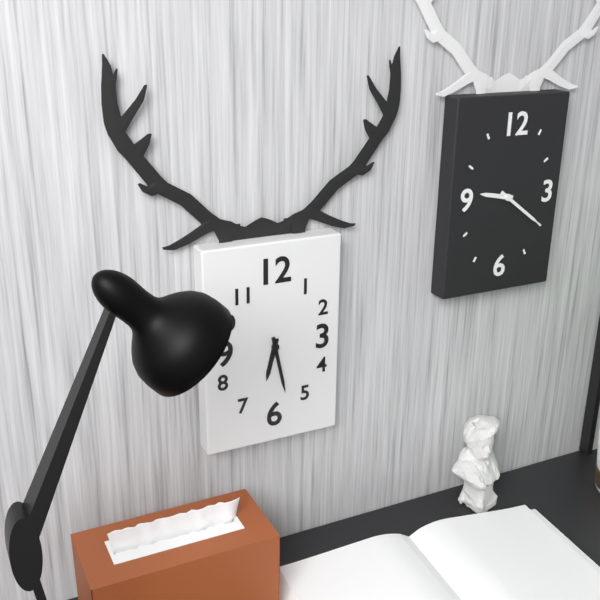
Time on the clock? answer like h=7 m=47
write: h=6 m=28
